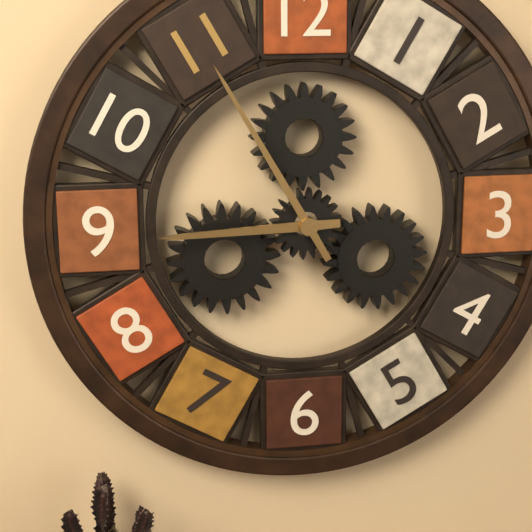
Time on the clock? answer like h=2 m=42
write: h=8 m=55
